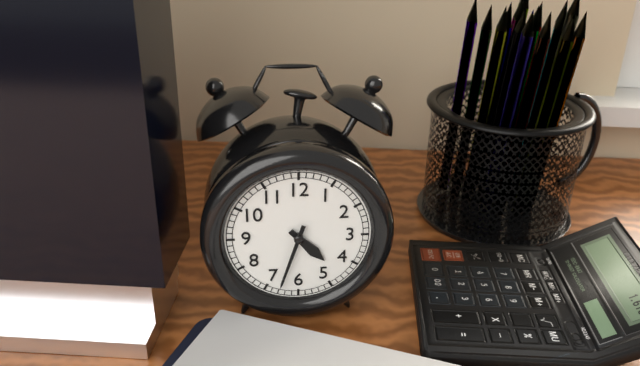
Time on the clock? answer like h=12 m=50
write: h=4 m=33
